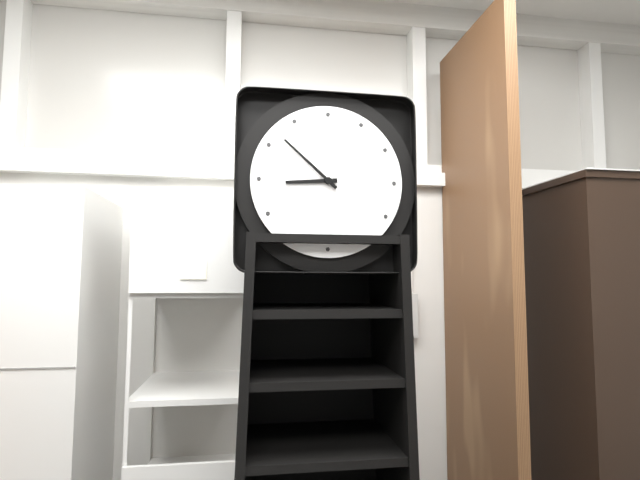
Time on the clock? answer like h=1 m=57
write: h=8 m=52
